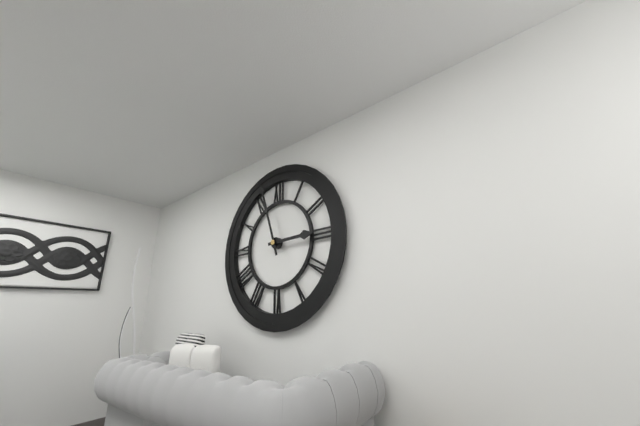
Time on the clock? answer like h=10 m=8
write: h=2 m=57
